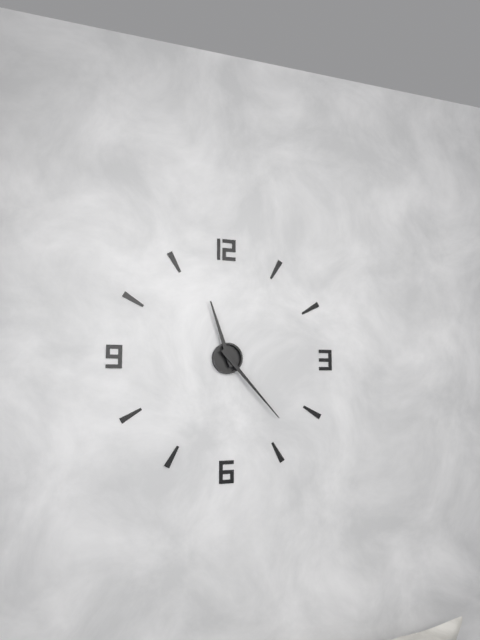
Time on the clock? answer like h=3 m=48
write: h=11 m=23
